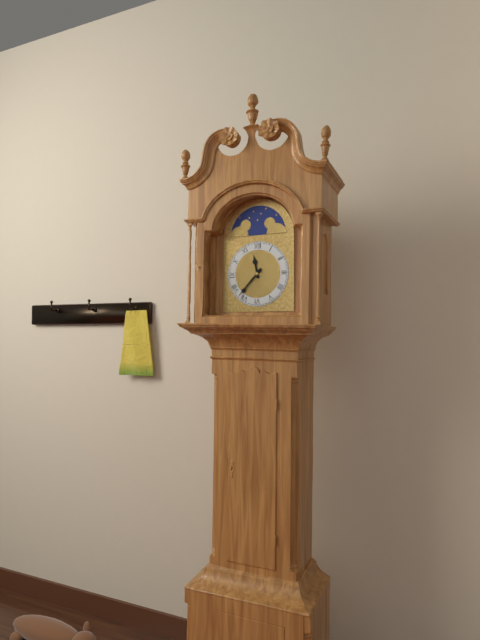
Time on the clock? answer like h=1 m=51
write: h=11 m=37
